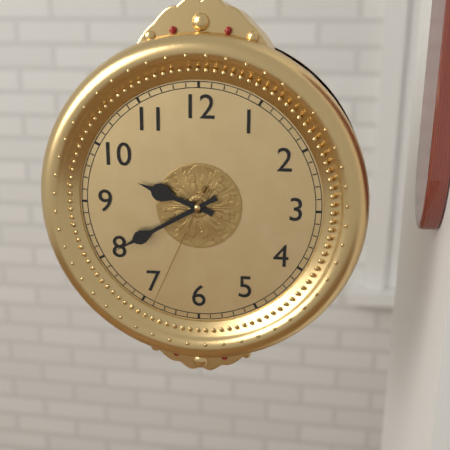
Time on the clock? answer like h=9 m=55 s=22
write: h=9 m=40 s=34
